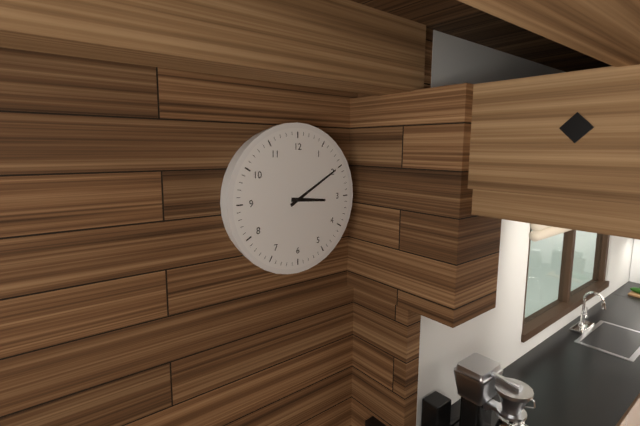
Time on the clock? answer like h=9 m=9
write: h=3 m=10
